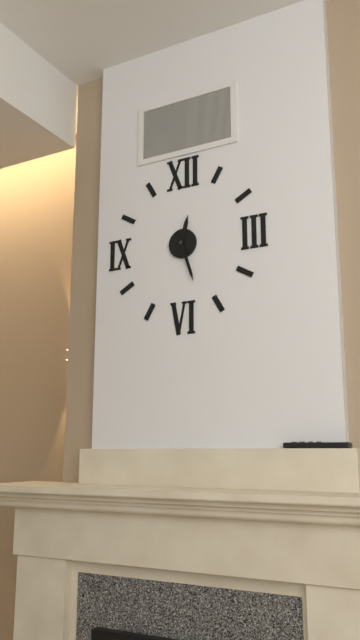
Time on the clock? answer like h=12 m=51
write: h=12 m=27
